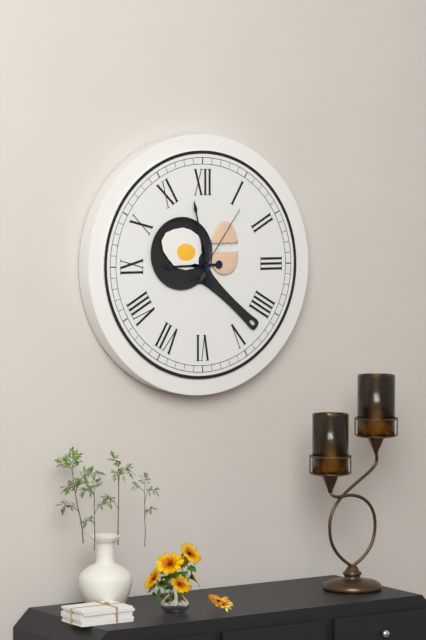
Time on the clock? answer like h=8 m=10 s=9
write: h=8 m=58 s=6
